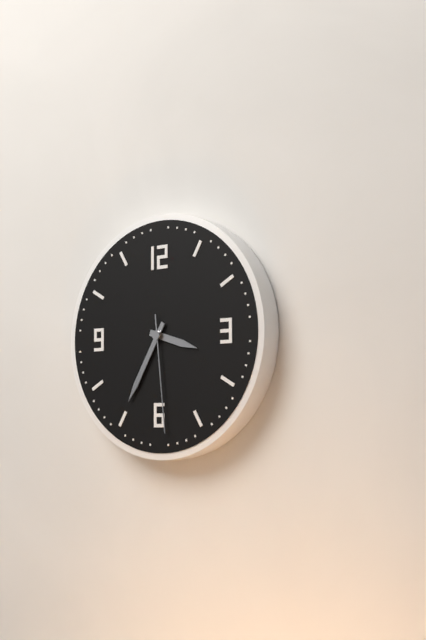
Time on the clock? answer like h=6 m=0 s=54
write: h=3 m=35 s=29
